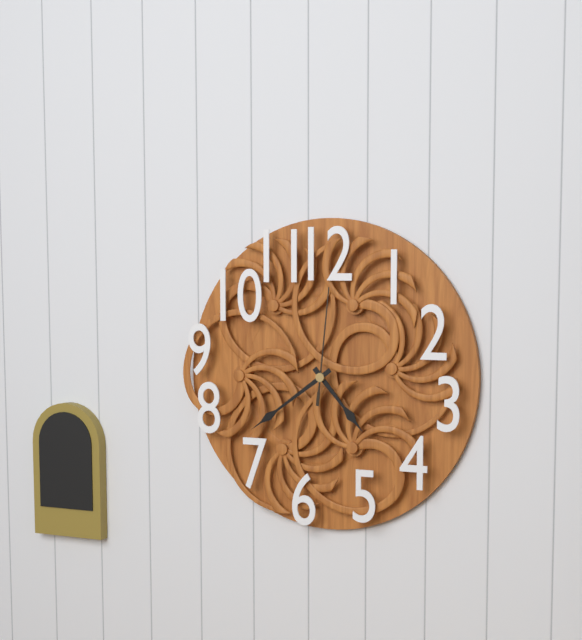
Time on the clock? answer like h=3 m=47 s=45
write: h=4 m=39 s=1
